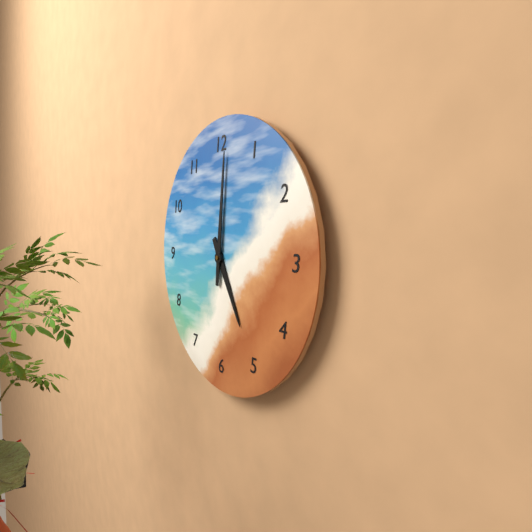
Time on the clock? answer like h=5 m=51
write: h=5 m=1
